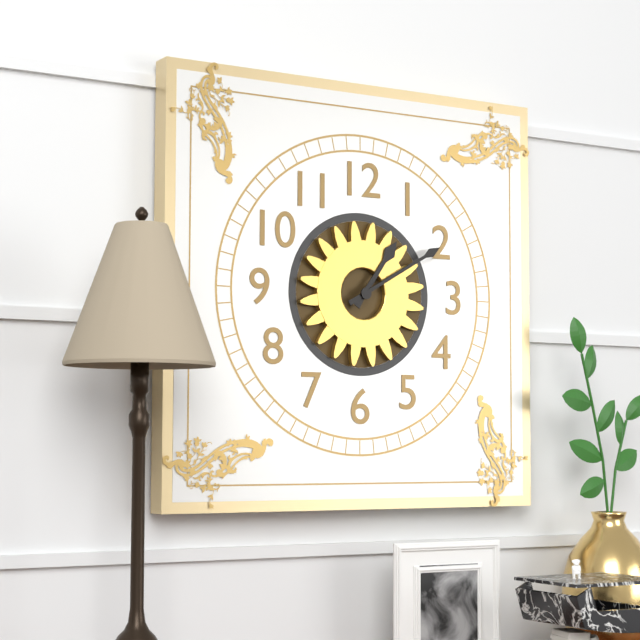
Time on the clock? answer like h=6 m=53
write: h=1 m=10
